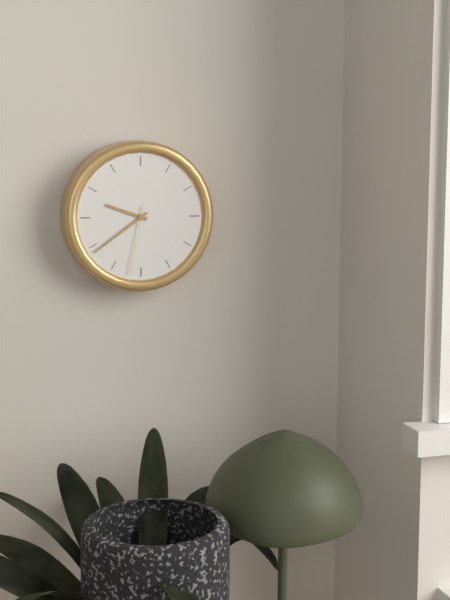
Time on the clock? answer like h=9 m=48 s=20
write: h=9 m=39 s=32
